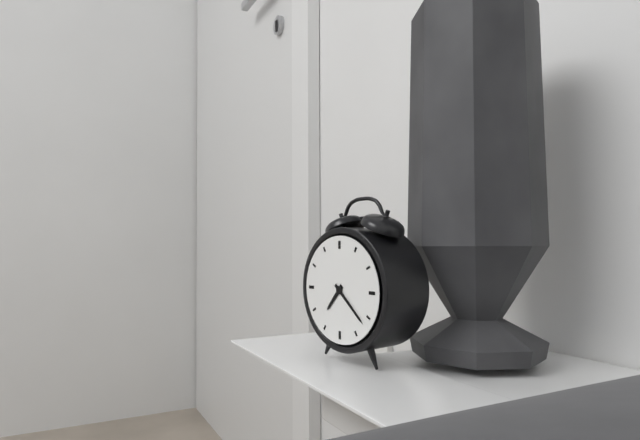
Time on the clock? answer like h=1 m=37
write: h=7 m=22
